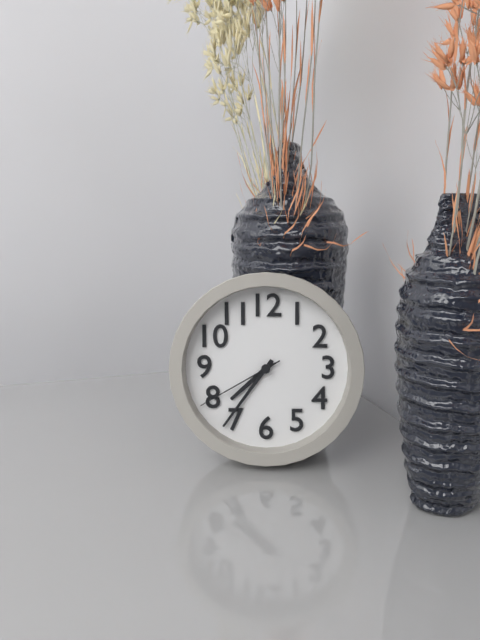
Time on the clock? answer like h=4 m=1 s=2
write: h=7 m=36 s=40
